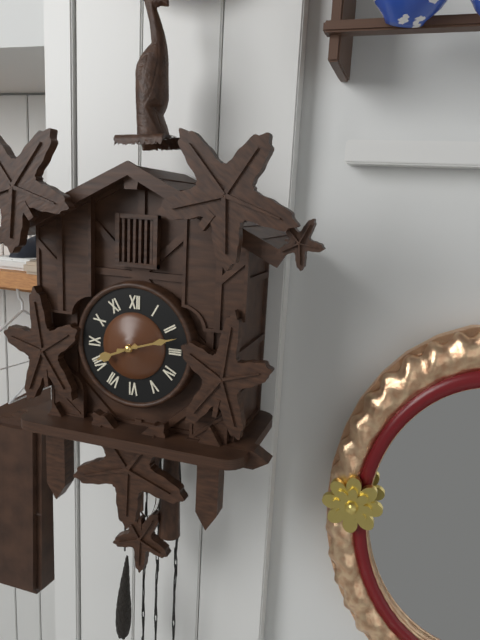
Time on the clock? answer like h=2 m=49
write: h=8 m=12
